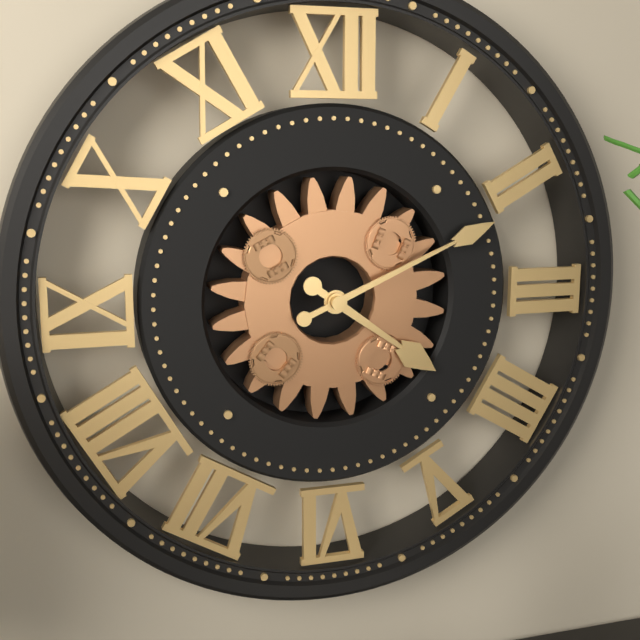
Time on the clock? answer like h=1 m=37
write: h=4 m=11
